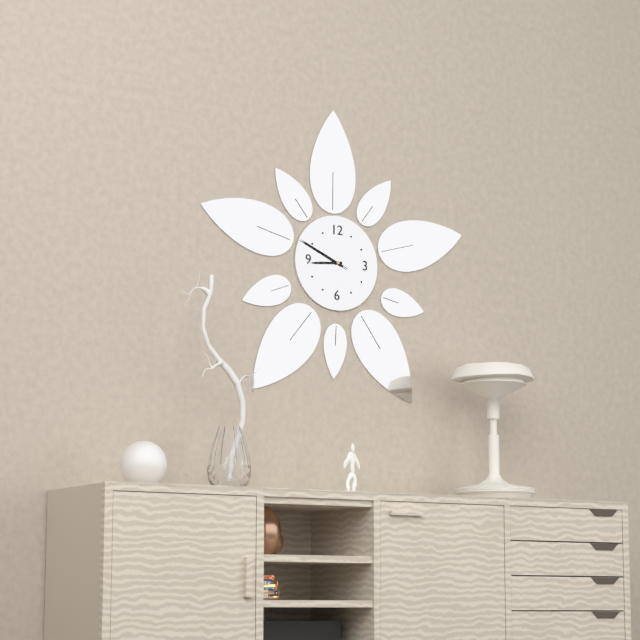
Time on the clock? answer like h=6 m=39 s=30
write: h=8 m=49 s=49
